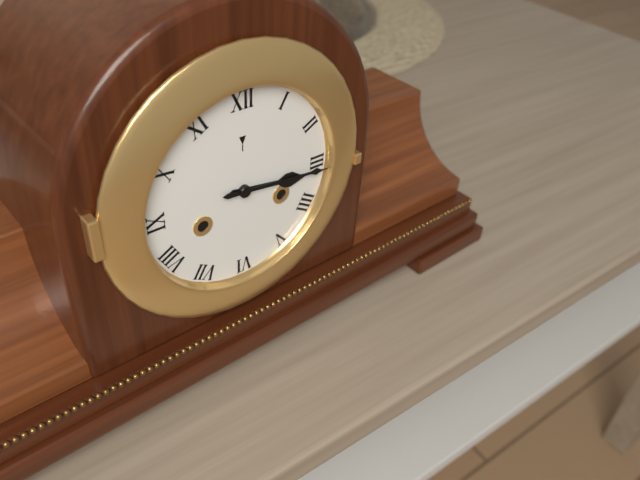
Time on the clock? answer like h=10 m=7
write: h=3 m=16
